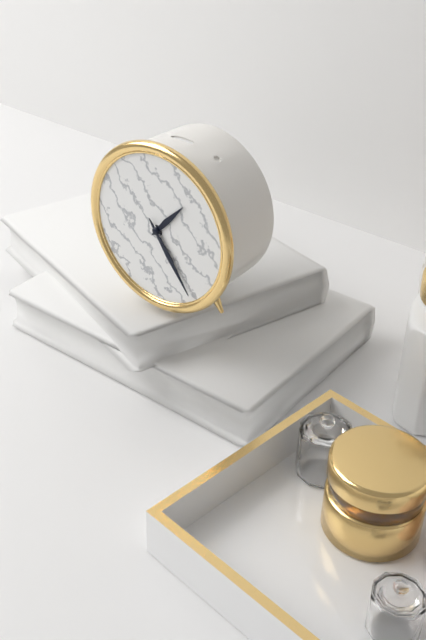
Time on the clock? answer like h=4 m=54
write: h=1 m=24
